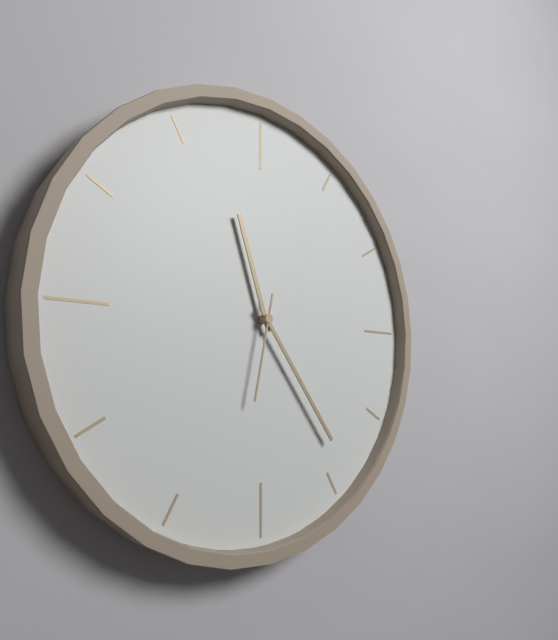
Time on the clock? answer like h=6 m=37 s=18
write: h=11 m=24 s=32
